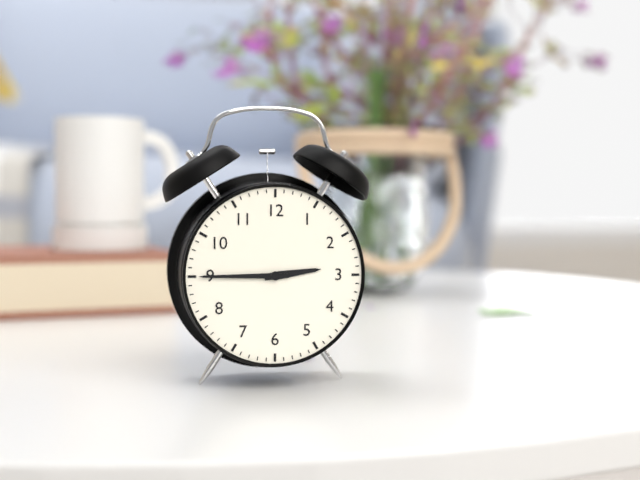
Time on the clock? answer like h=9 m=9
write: h=2 m=45
